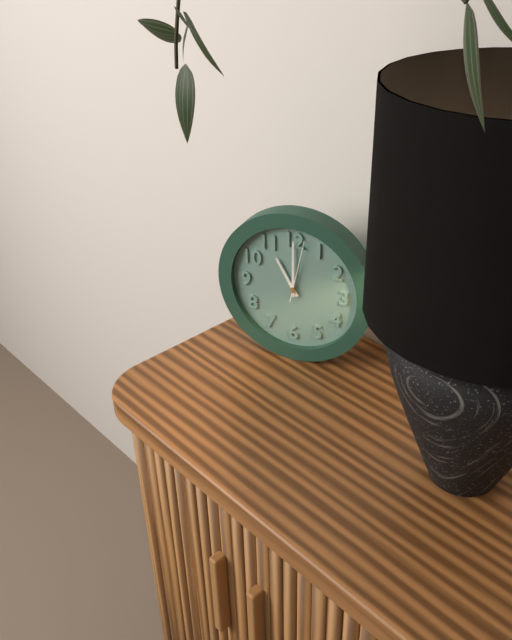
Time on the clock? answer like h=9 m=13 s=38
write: h=11 m=0 s=2
